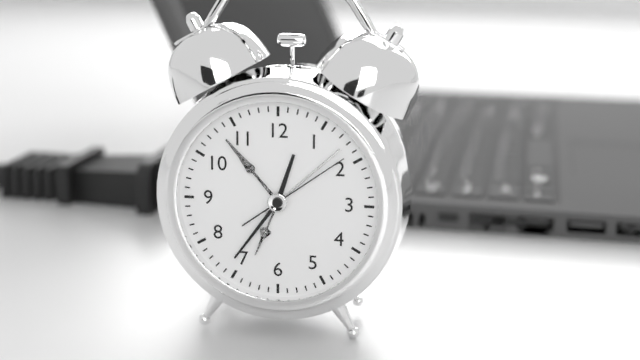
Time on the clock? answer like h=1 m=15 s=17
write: h=12 m=36 s=9
